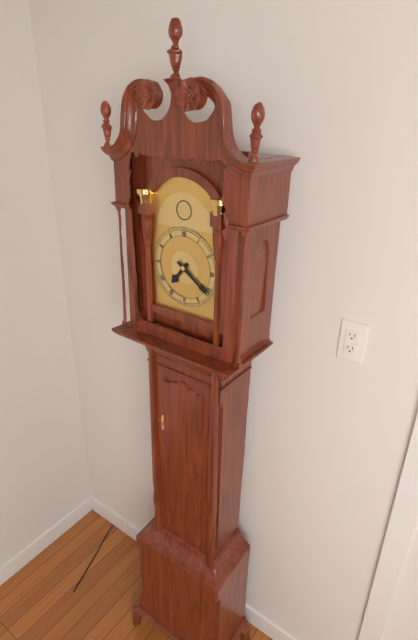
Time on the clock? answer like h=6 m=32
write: h=7 m=21
